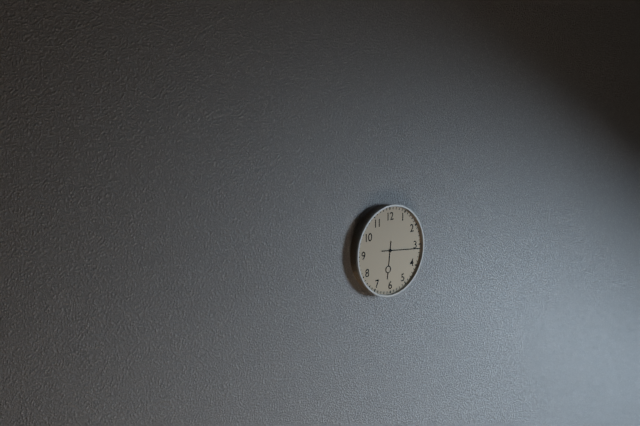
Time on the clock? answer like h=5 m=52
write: h=6 m=16
